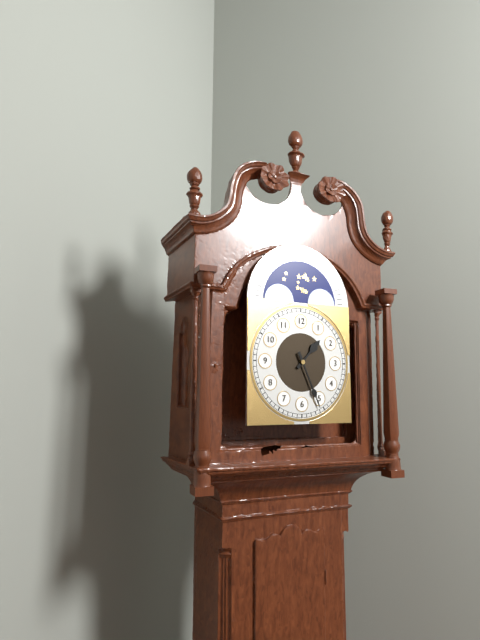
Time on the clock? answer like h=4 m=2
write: h=1 m=26
